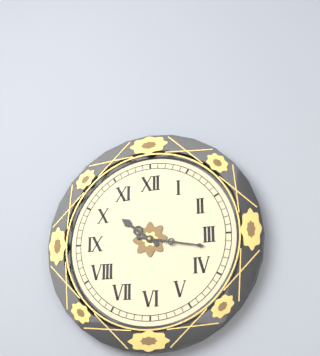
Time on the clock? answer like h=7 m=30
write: h=10 m=17
